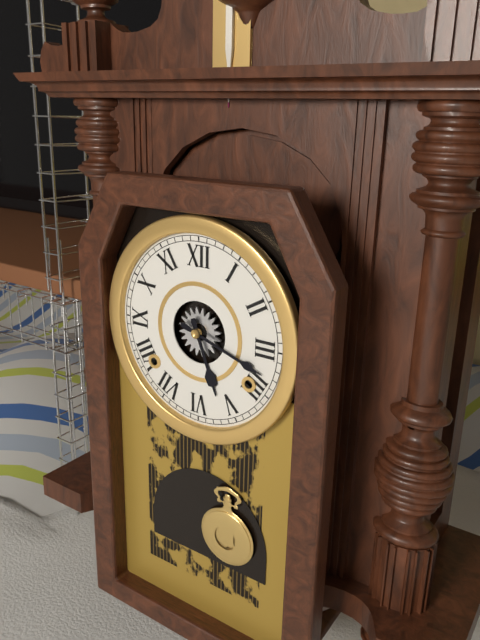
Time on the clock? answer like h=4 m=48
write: h=5 m=18
